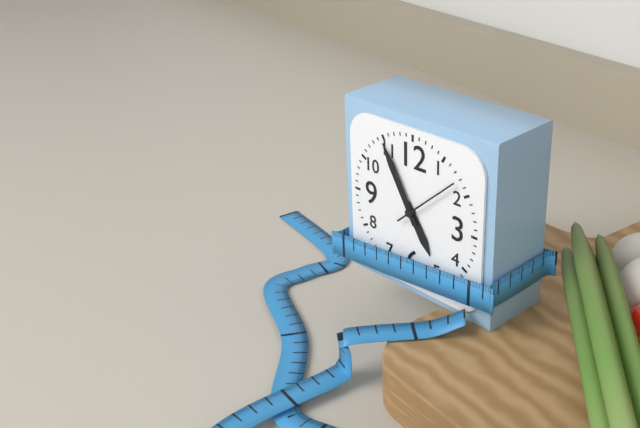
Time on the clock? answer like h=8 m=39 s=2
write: h=4 m=55 s=8
